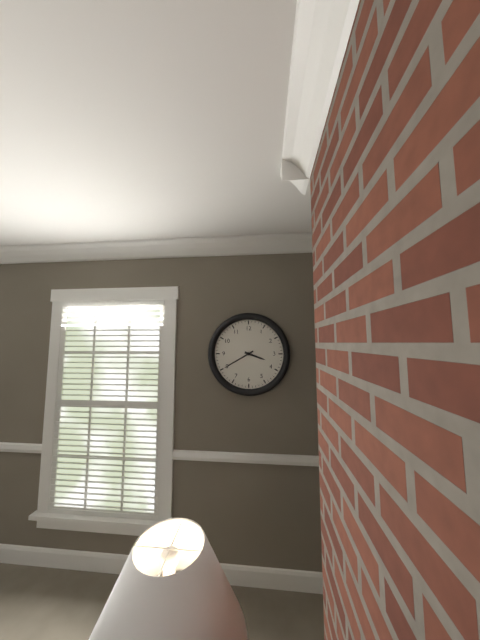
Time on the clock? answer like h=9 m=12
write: h=3 m=40
